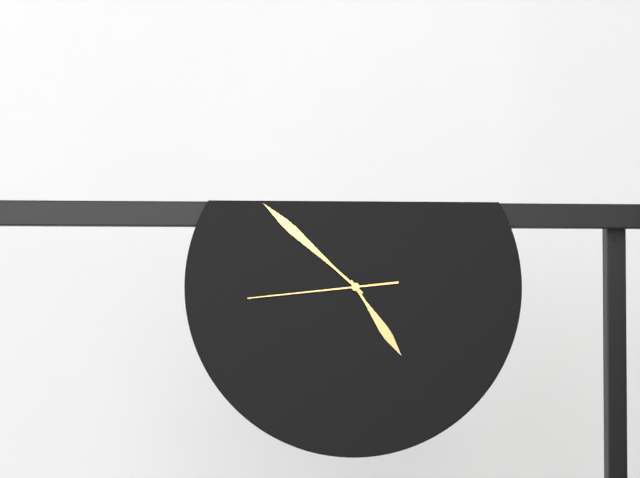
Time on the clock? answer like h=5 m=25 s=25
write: h=4 m=52 s=44
